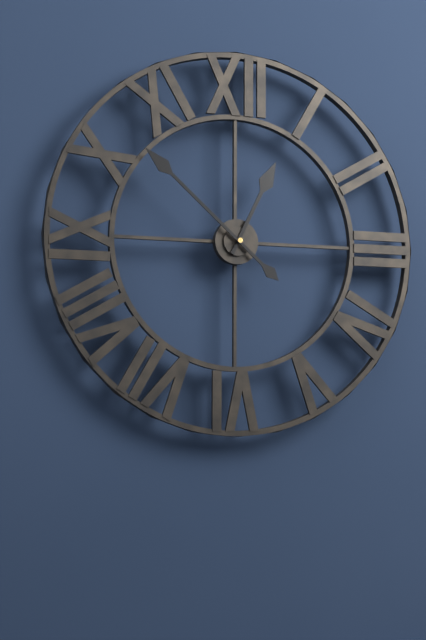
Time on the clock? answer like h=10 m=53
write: h=12 m=52
